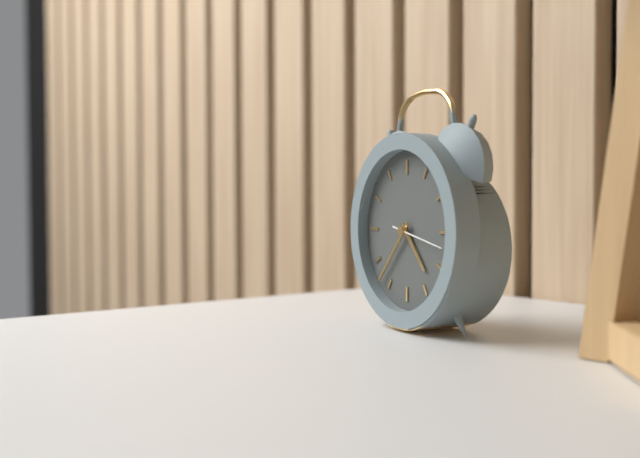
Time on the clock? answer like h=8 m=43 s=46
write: h=4 m=37 s=17
